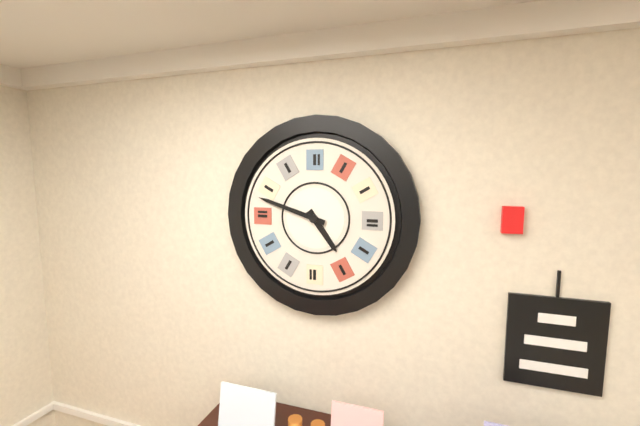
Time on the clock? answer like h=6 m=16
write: h=4 m=48
